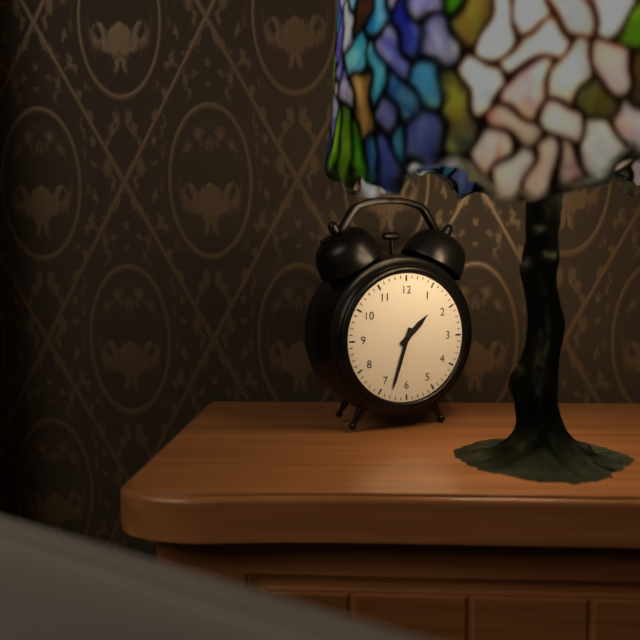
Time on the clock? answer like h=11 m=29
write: h=1 m=33
